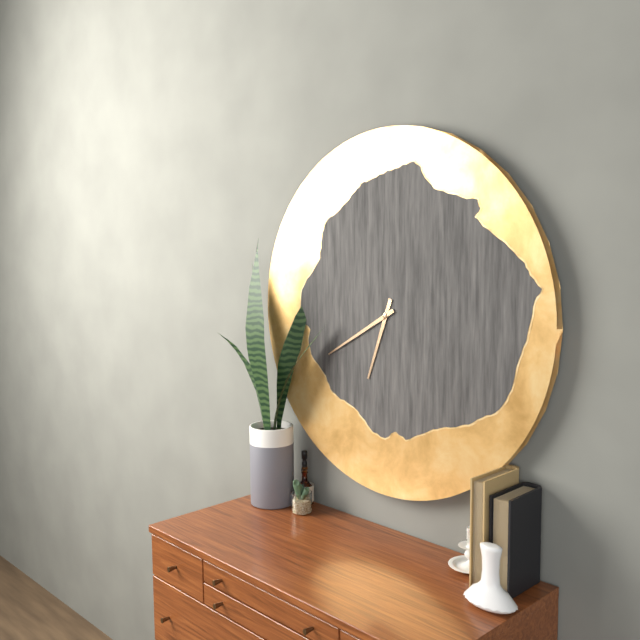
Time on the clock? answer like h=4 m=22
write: h=6 m=40
